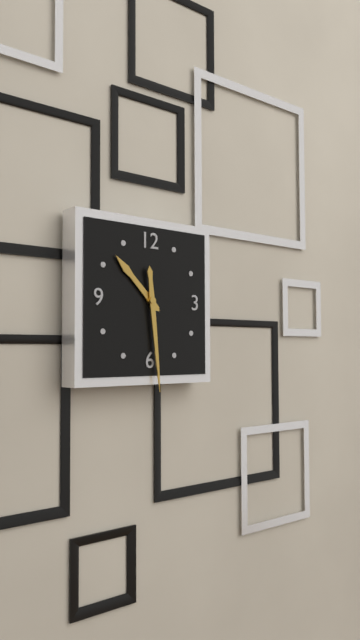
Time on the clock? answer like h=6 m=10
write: h=10 m=29
